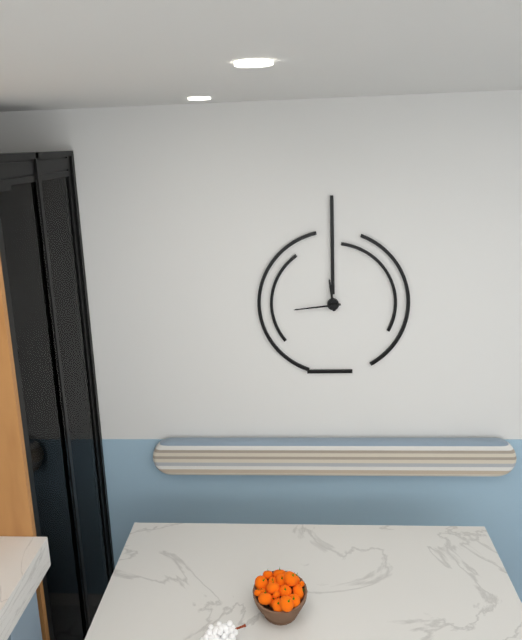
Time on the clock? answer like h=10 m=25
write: h=11 m=44
